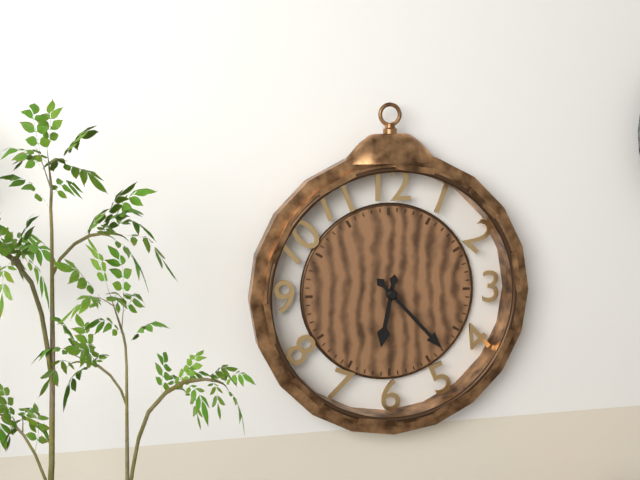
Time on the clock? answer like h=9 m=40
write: h=6 m=23
